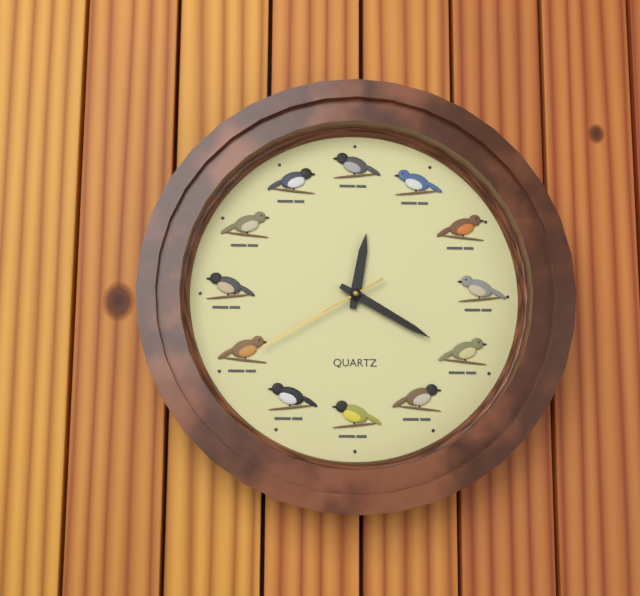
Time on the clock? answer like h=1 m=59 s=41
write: h=12 m=20 s=40
